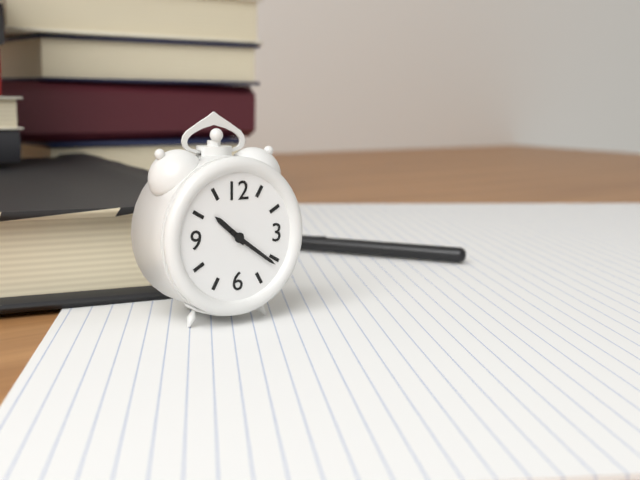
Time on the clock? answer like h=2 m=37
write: h=10 m=21
